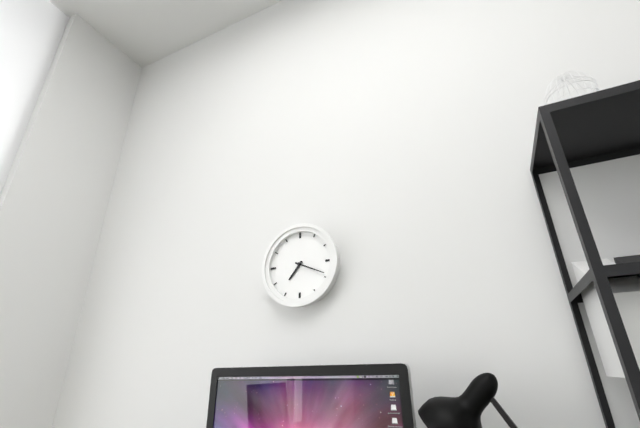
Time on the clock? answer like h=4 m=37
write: h=7 m=19
